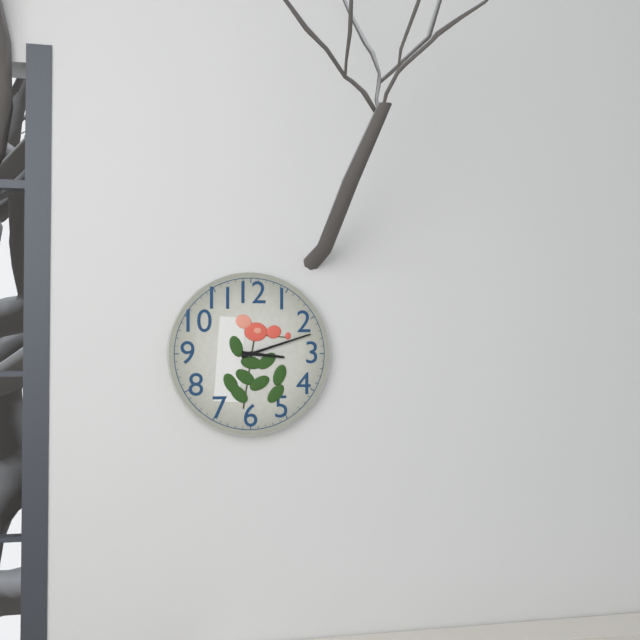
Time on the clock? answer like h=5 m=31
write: h=3 m=12
